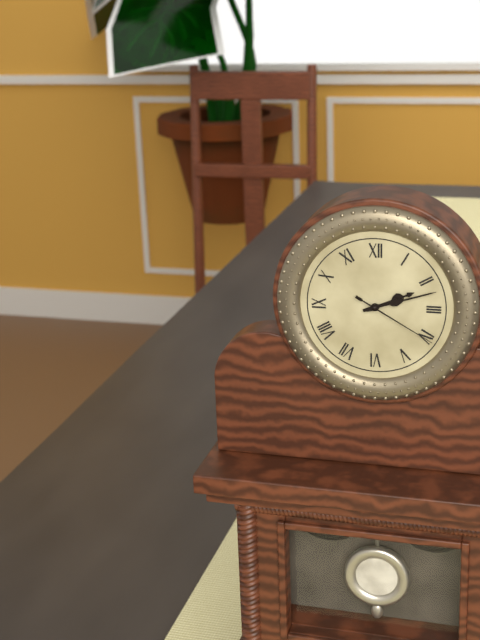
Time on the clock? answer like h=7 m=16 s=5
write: h=2 m=12 s=20
